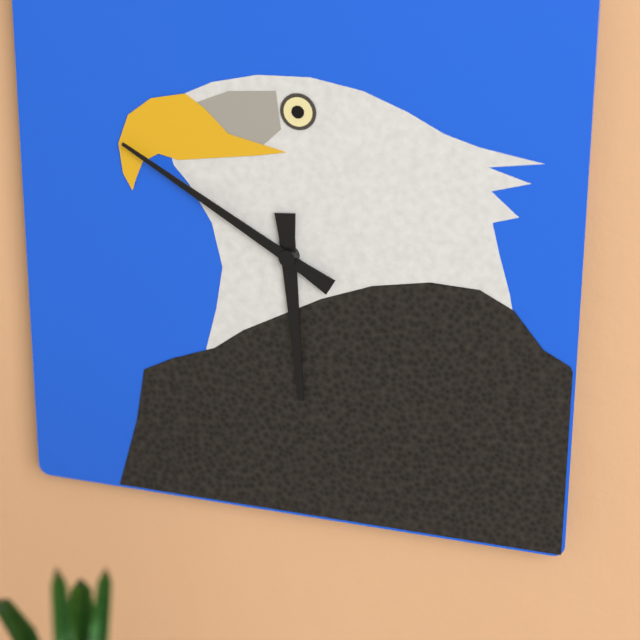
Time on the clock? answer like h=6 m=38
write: h=5 m=50
